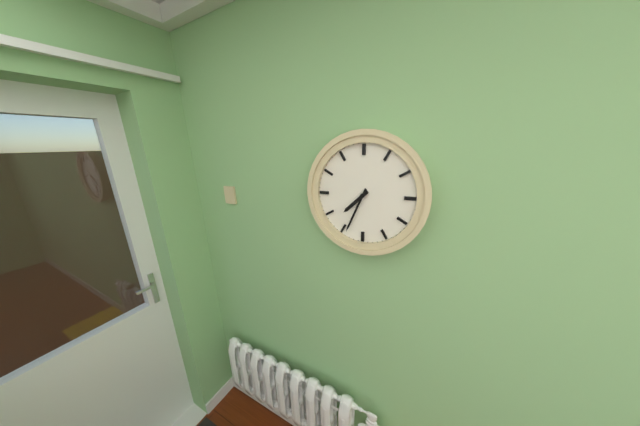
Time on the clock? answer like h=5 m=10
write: h=7 m=34
